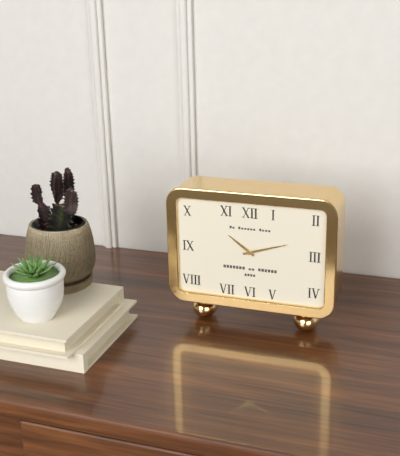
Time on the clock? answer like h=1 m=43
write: h=10 m=12
